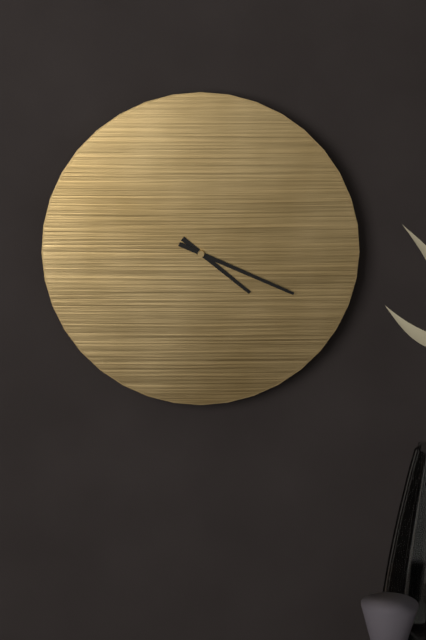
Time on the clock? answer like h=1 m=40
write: h=4 m=19
